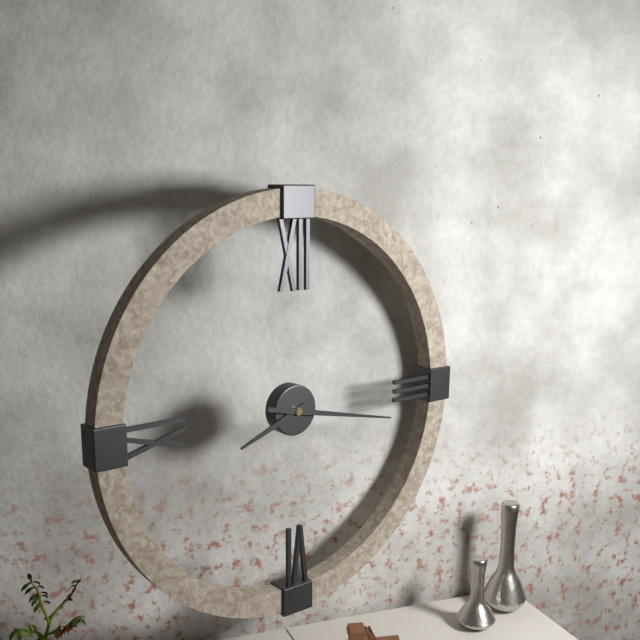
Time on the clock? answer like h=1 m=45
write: h=8 m=17
